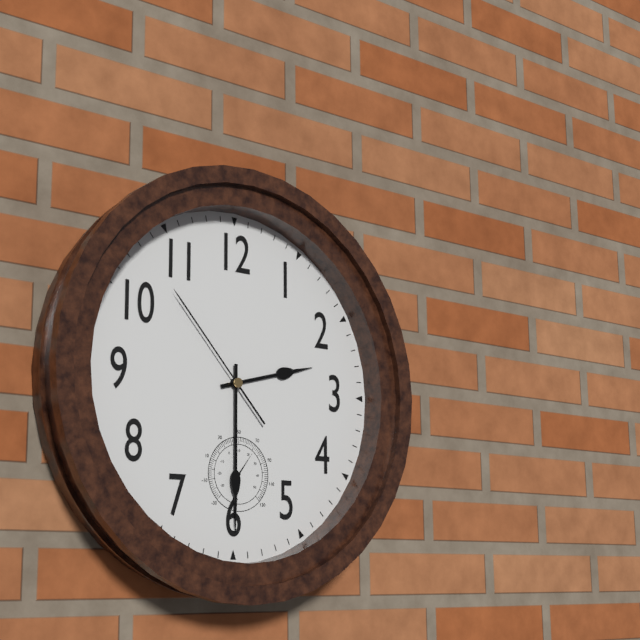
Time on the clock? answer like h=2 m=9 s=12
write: h=2 m=30 s=53
